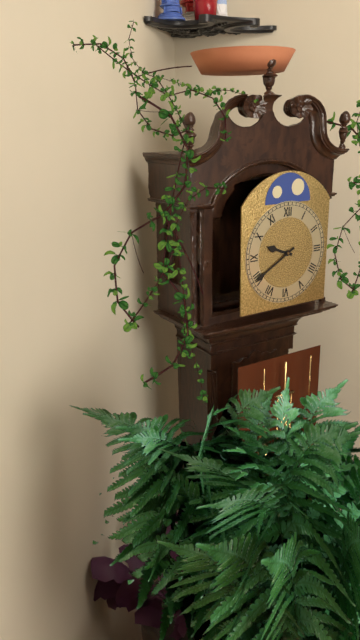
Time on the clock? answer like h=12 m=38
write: h=9 m=40
